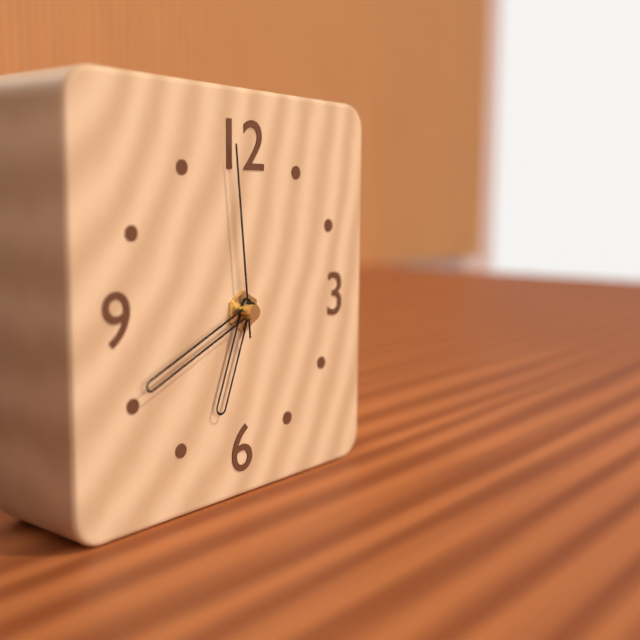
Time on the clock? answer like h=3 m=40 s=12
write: h=6 m=41 s=59
